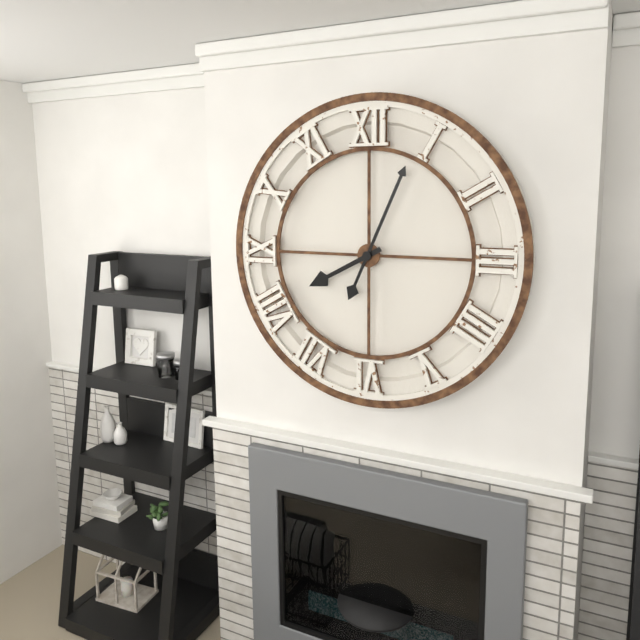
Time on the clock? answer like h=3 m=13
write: h=8 m=4
